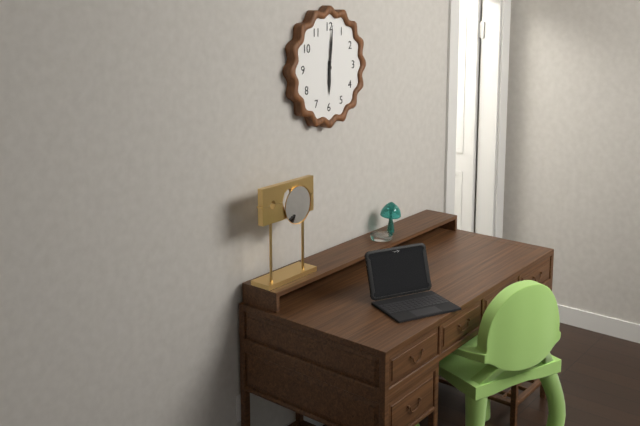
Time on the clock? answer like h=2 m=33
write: h=6 m=1
